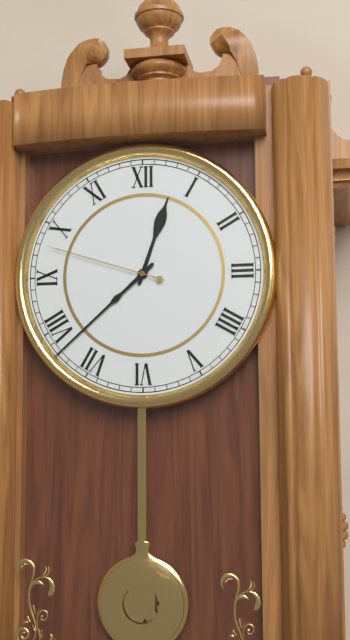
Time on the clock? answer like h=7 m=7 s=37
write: h=12 m=38 s=48
